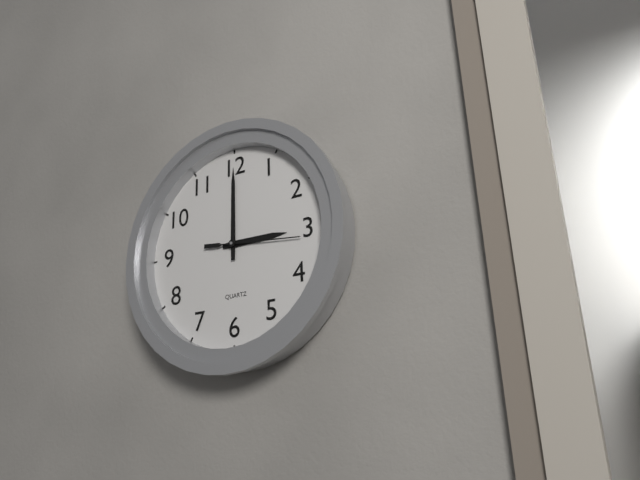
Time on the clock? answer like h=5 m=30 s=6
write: h=3 m=0 s=16
